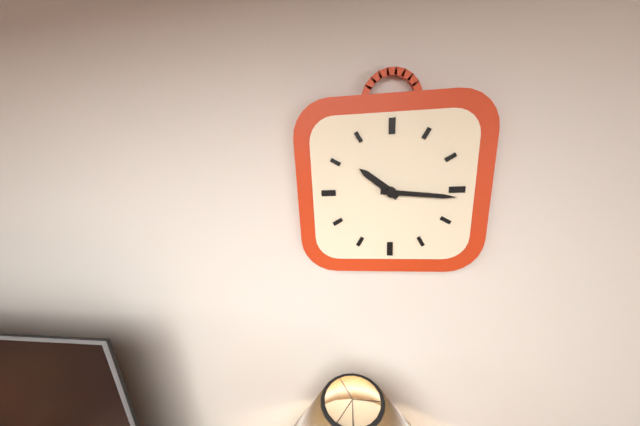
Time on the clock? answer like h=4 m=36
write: h=10 m=16
